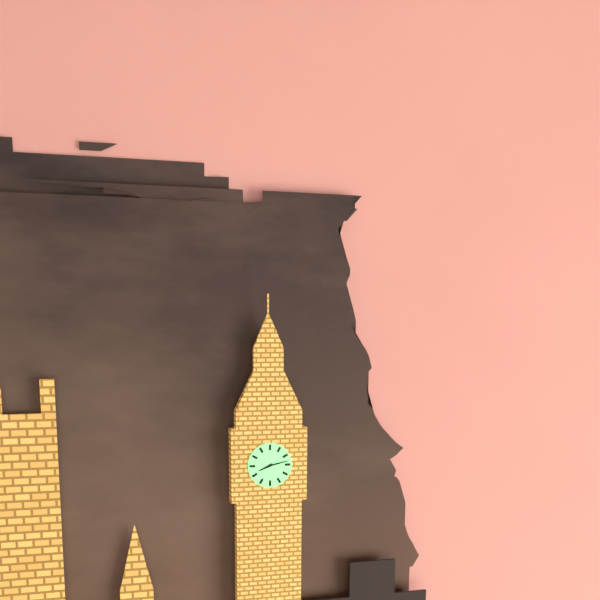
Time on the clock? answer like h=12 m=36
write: h=8 m=13
